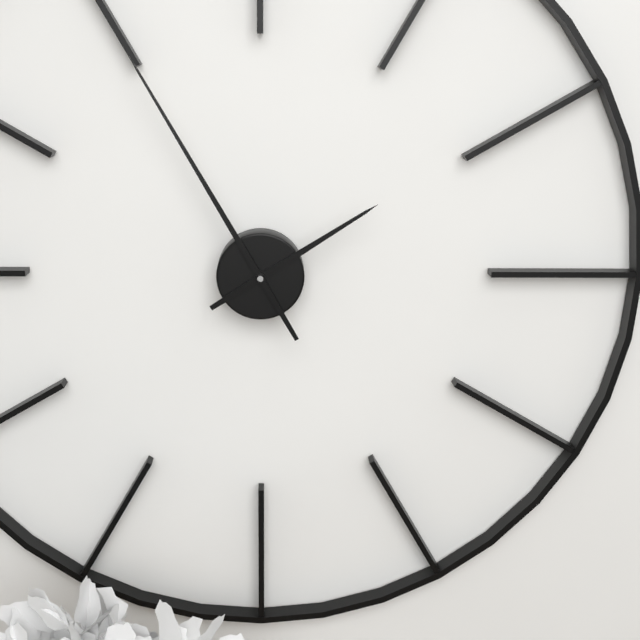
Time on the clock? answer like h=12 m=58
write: h=1 m=55
